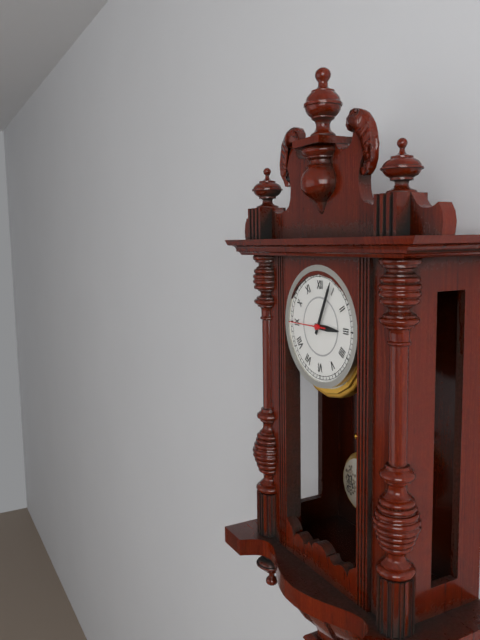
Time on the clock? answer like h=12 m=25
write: h=3 m=4
